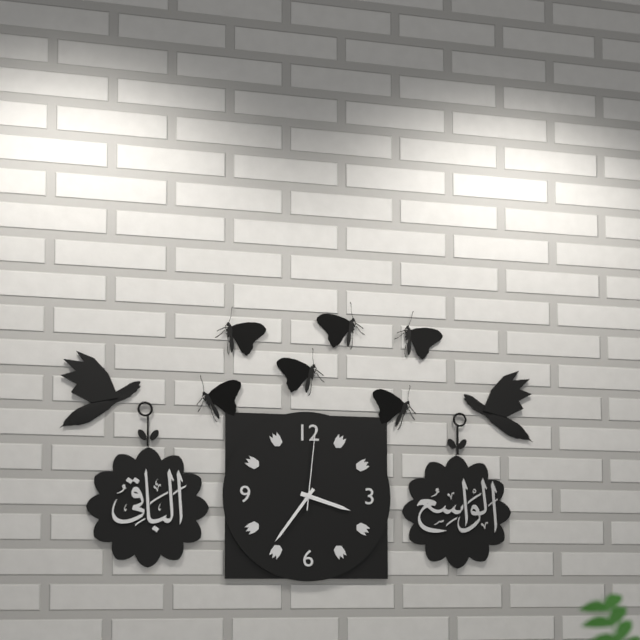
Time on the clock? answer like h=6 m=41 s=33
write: h=3 m=36 s=1
